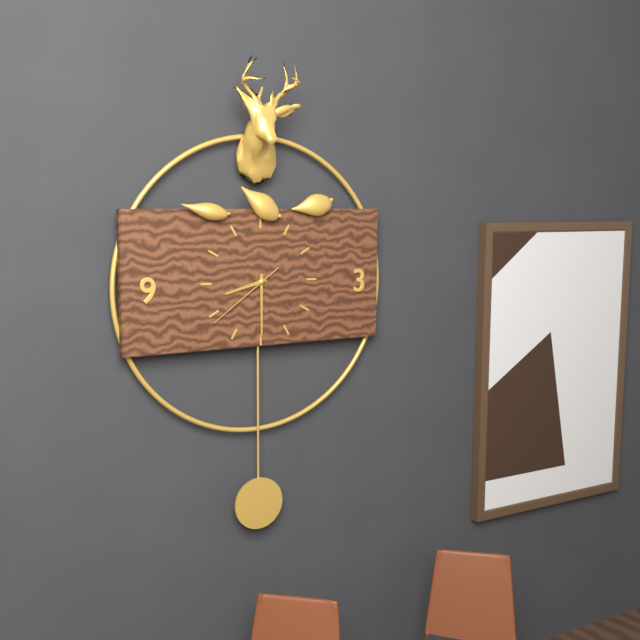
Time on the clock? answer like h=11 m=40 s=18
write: h=8 m=30 s=39
